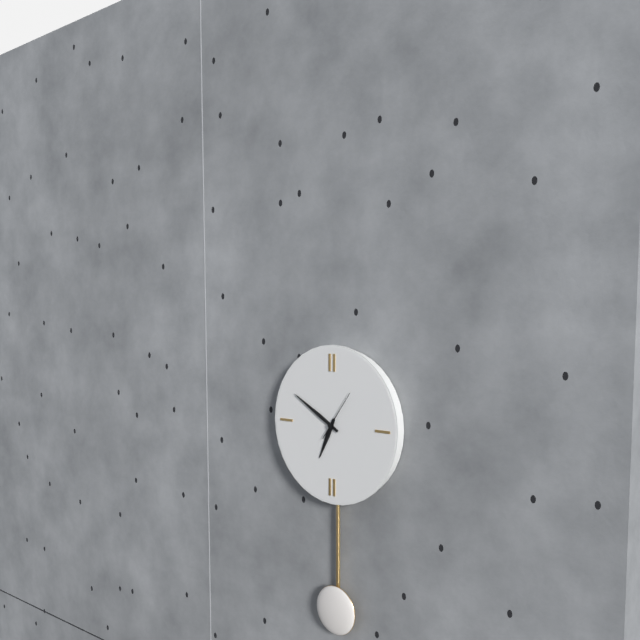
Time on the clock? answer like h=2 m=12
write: h=6 m=50
